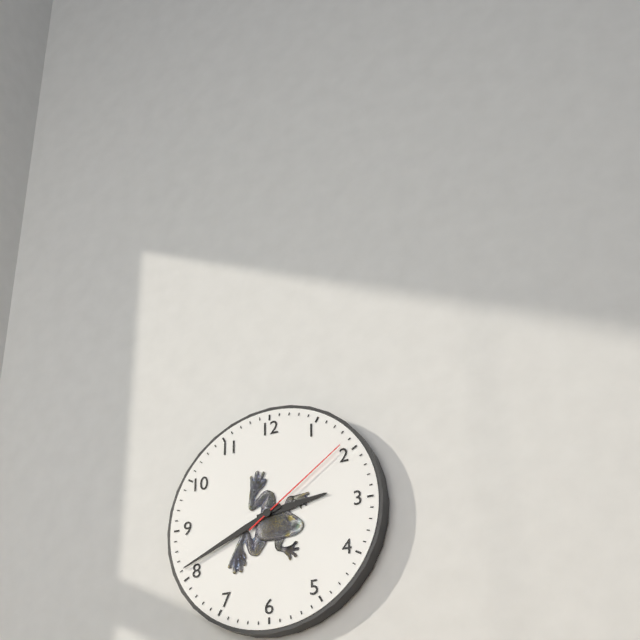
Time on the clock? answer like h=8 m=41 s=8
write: h=2 m=41 s=9
